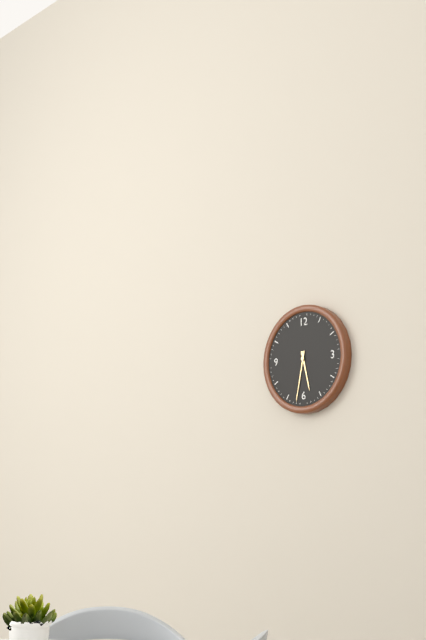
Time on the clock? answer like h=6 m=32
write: h=5 m=32
